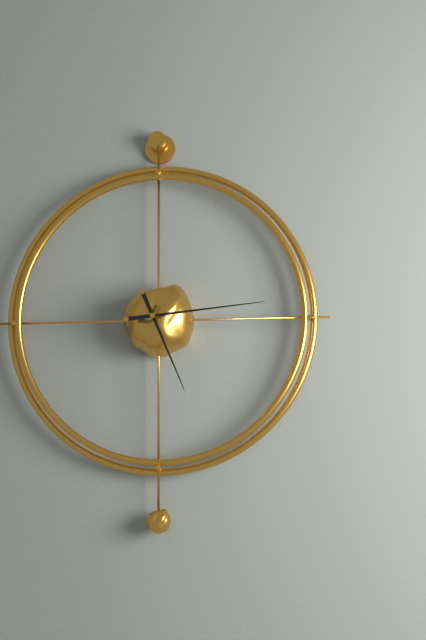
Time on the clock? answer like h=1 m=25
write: h=5 m=14
